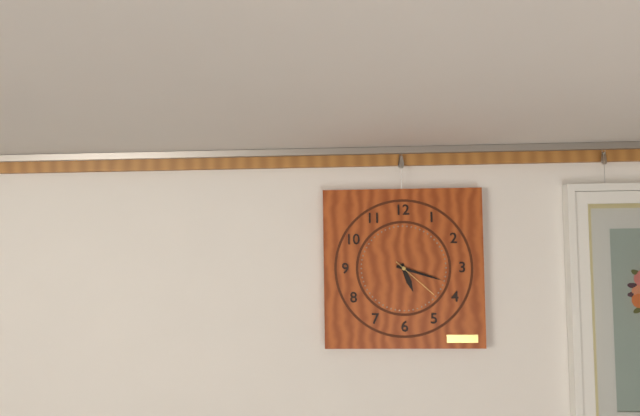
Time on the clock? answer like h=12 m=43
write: h=5 m=18
